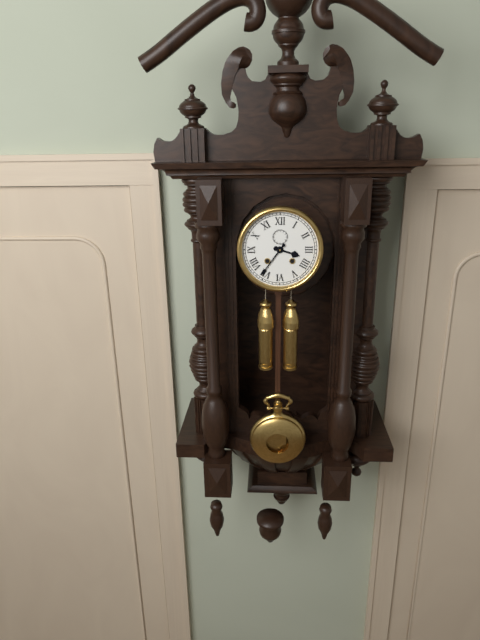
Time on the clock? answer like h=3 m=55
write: h=3 m=36
